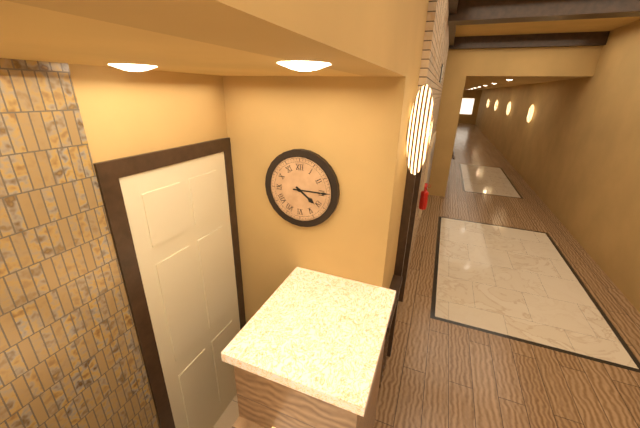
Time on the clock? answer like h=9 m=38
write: h=4 m=15
